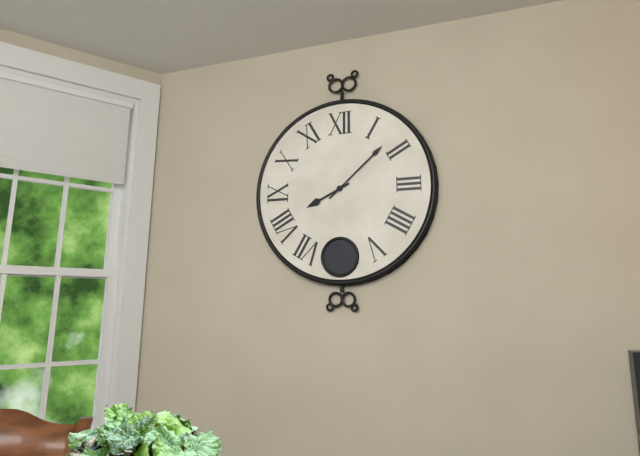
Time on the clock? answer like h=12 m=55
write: h=8 m=8
